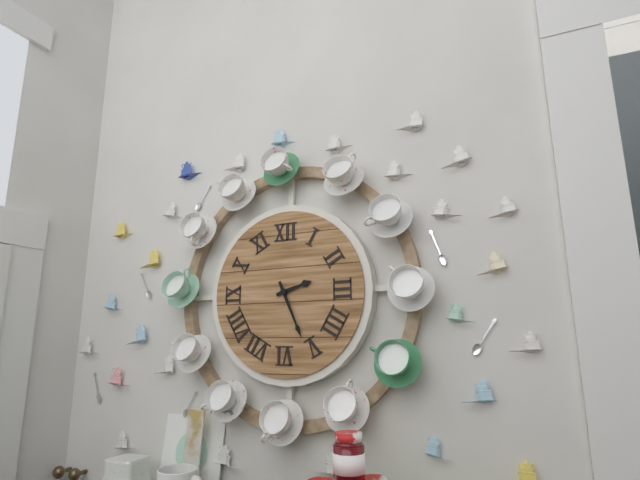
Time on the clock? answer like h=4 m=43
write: h=2 m=26
